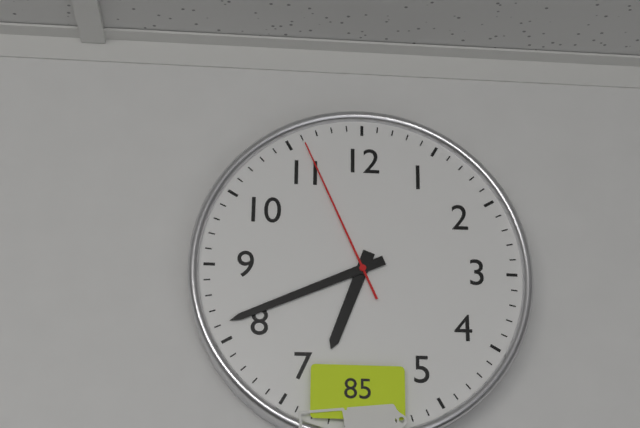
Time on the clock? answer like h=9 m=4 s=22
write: h=6 m=41 s=56
